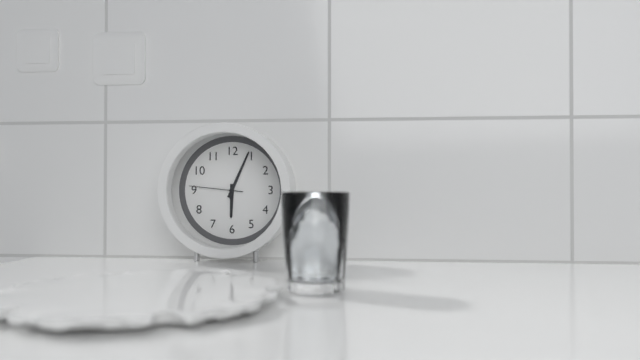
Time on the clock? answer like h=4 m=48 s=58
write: h=6 m=4 s=46
